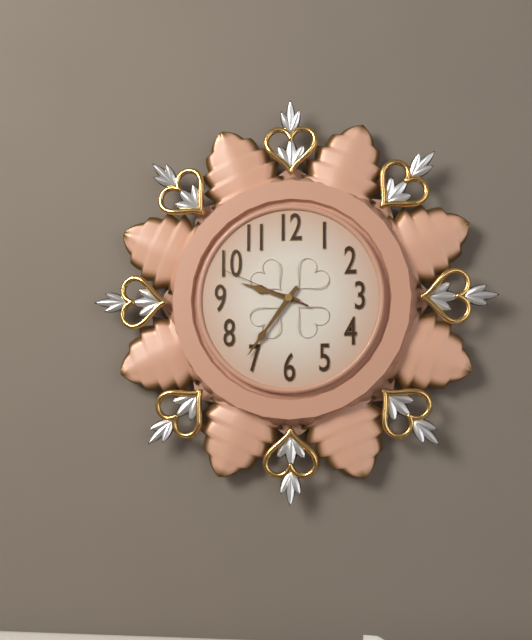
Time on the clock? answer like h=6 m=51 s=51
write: h=9 m=36 s=49
